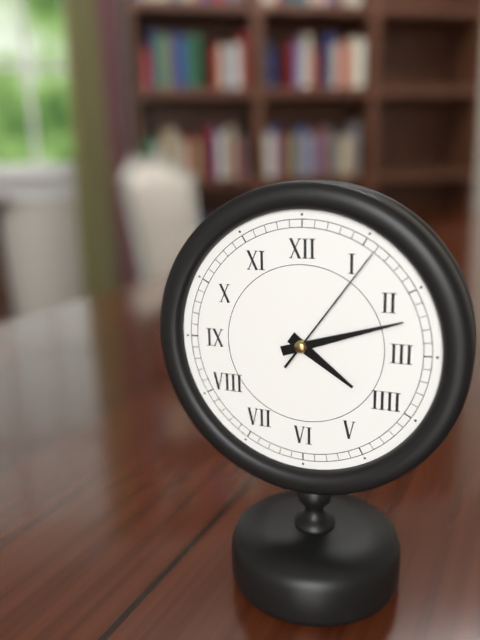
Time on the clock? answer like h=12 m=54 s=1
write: h=4 m=12 s=6
